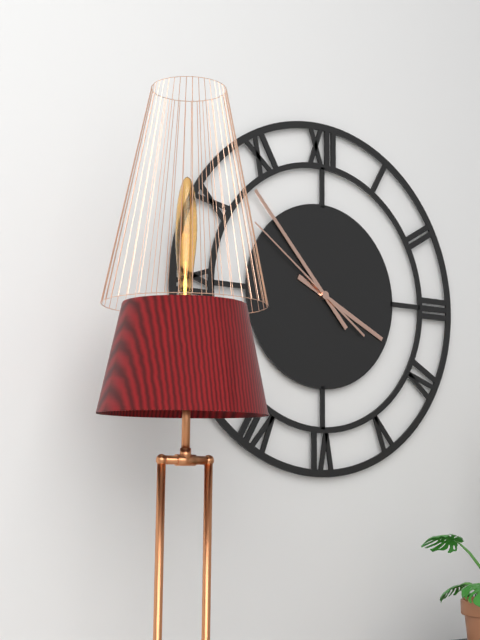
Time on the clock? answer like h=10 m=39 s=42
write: h=3 m=53 s=51
